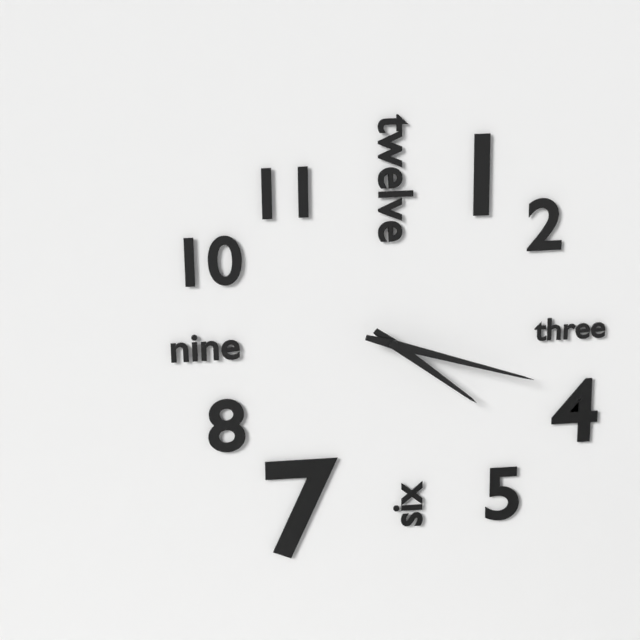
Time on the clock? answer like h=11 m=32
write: h=4 m=18
